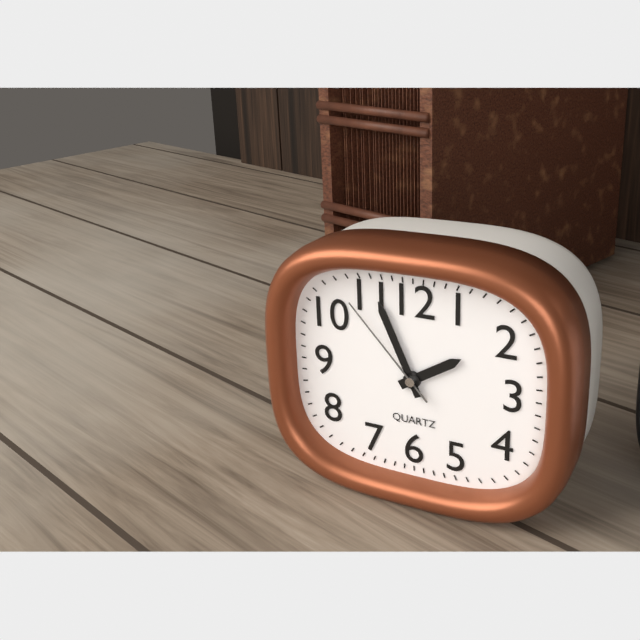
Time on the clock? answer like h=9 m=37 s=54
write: h=1 m=56 s=53
